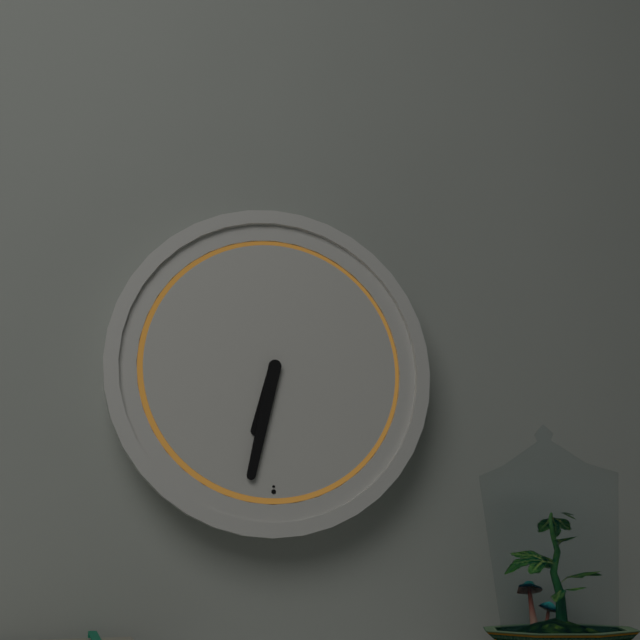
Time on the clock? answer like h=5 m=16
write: h=6 m=32
